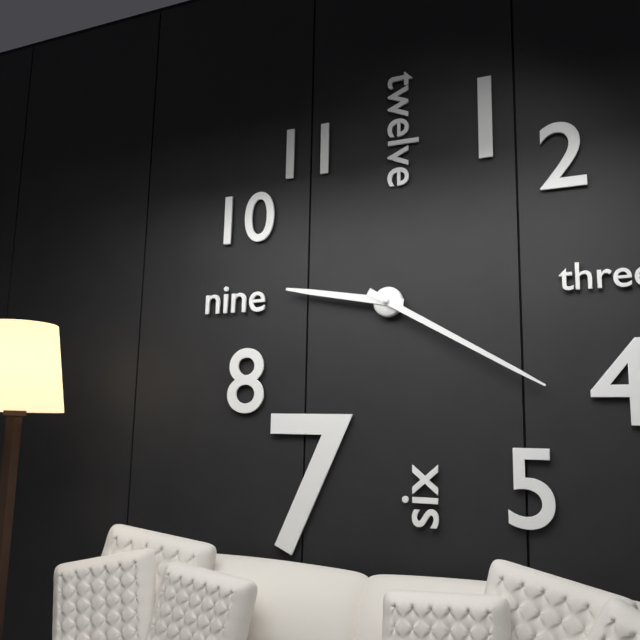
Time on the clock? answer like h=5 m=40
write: h=9 m=20
